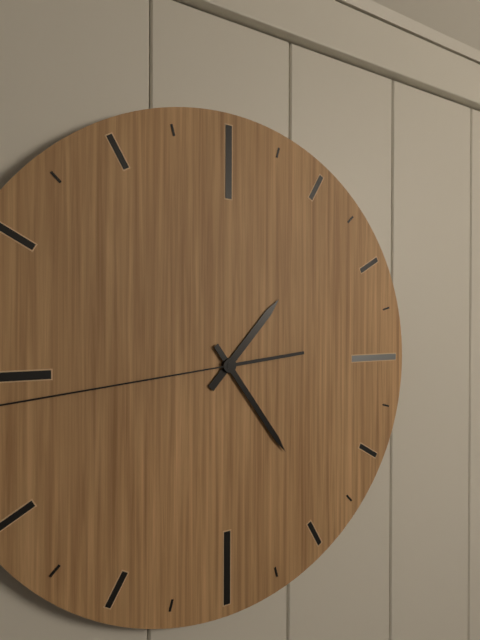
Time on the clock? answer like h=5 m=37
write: h=1 m=24
